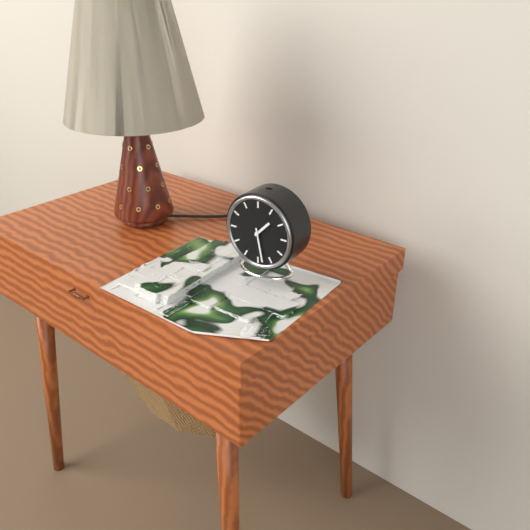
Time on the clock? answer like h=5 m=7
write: h=1 m=28
